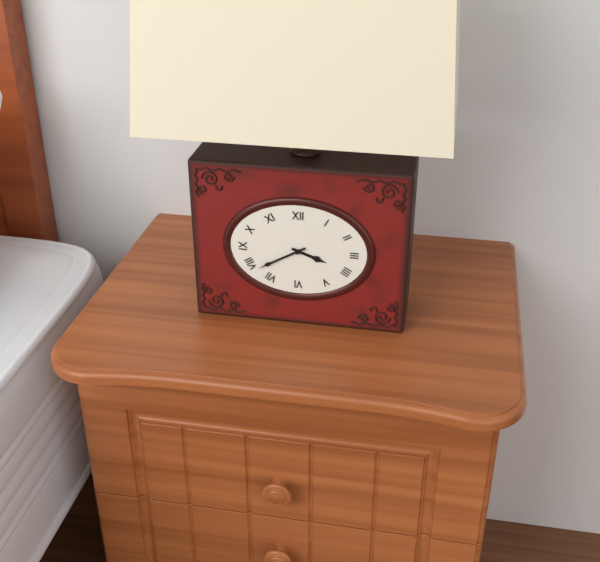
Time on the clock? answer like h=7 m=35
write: h=3 m=40
